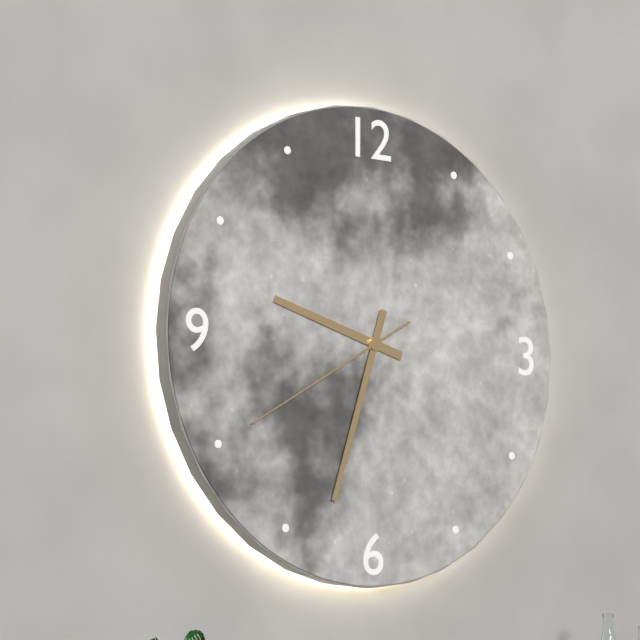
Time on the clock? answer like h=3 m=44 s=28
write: h=9 m=33 s=40
